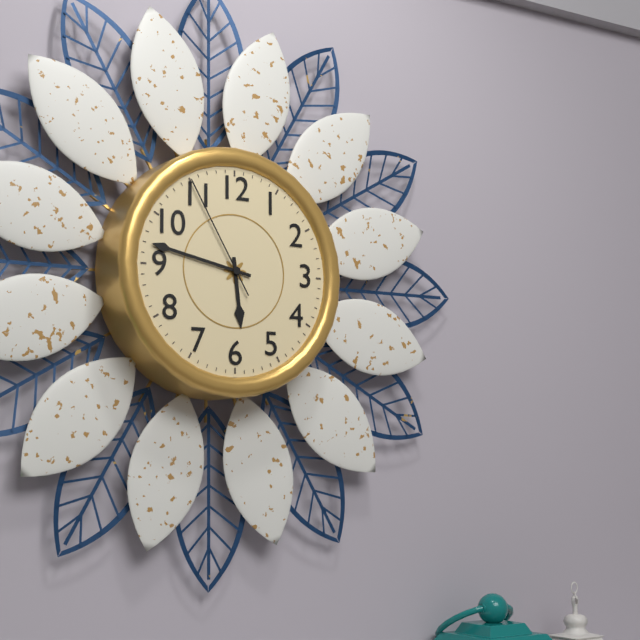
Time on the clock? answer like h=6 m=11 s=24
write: h=5 m=47 s=55
